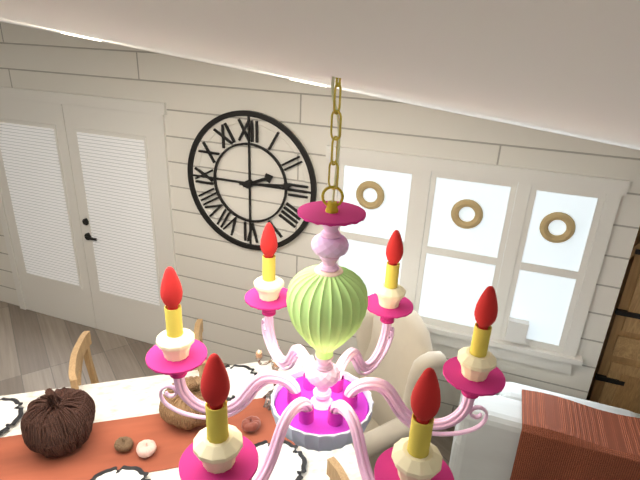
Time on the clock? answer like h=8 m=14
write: h=2 m=14
